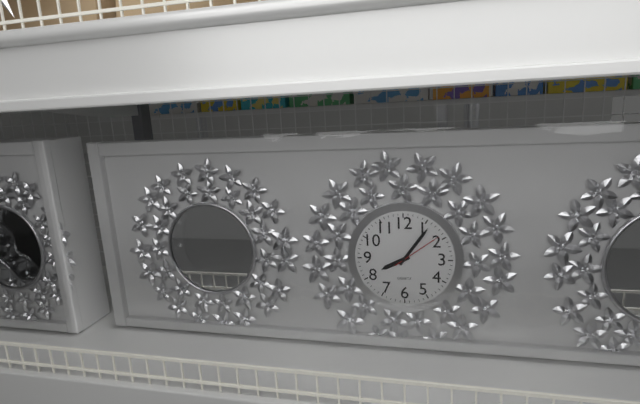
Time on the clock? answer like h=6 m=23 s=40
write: h=8 m=6 s=9
